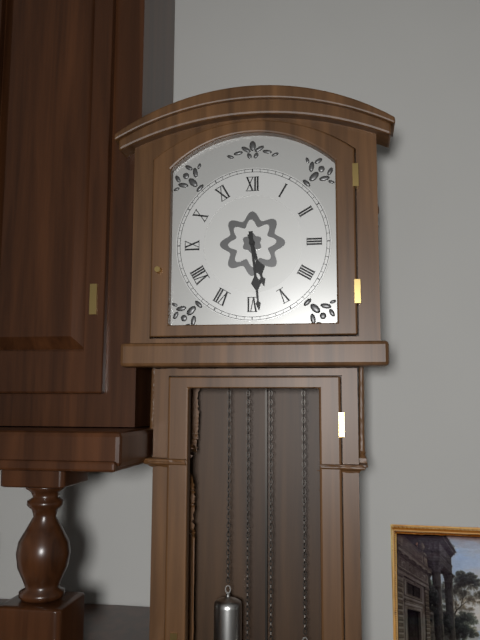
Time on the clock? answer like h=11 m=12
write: h=5 m=29
